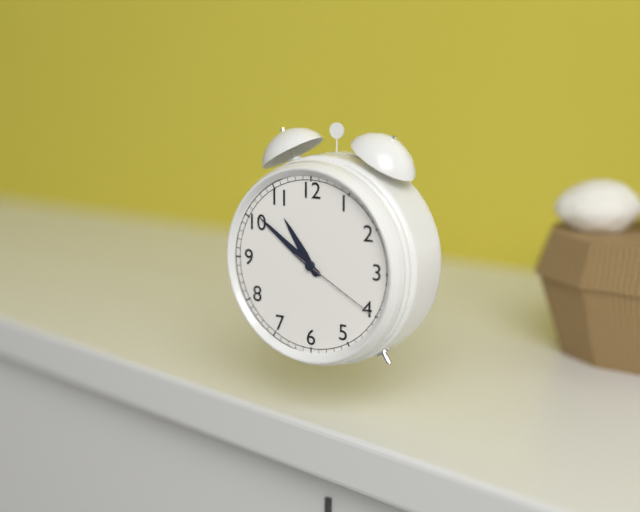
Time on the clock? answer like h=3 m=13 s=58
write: h=10 m=51 s=20
